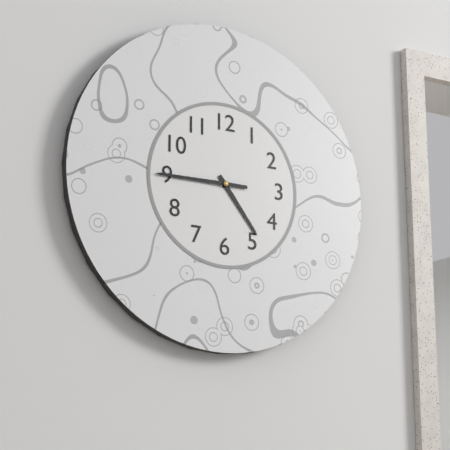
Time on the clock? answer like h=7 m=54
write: h=4 m=45
